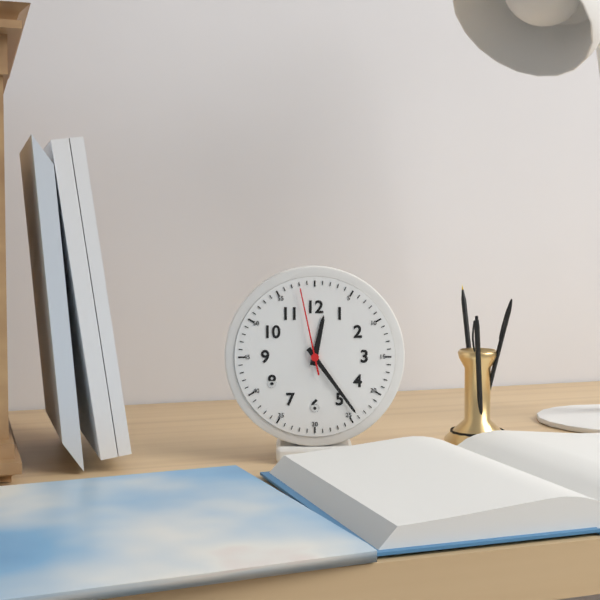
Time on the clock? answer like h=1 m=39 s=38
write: h=12 m=24 s=58
